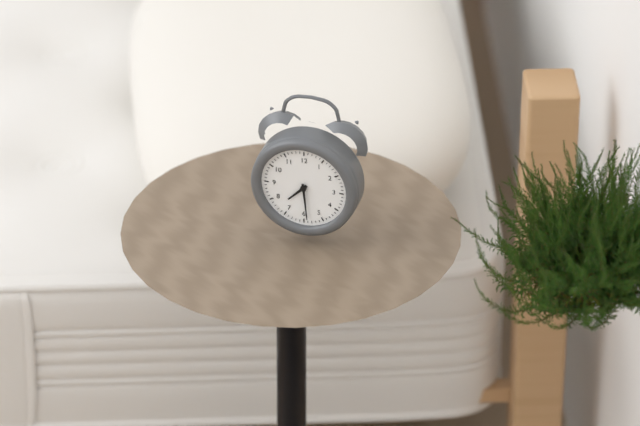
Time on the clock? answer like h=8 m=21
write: h=7 m=29
